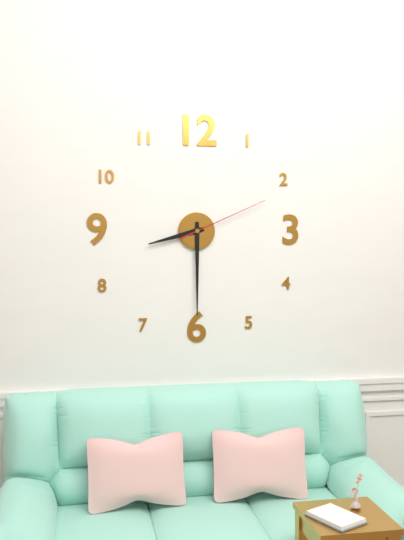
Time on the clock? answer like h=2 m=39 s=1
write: h=8 m=30 s=11
